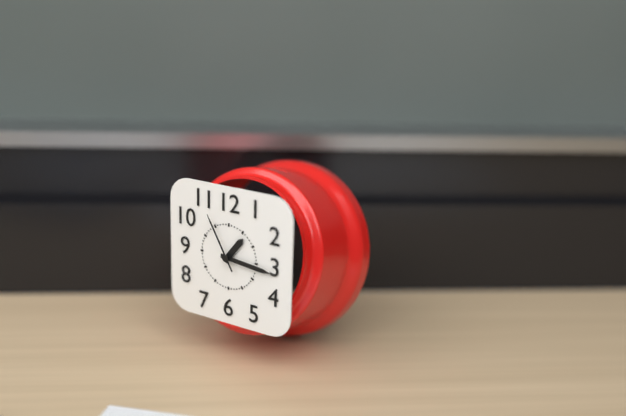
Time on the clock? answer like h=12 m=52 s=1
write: h=1 m=16 s=55
